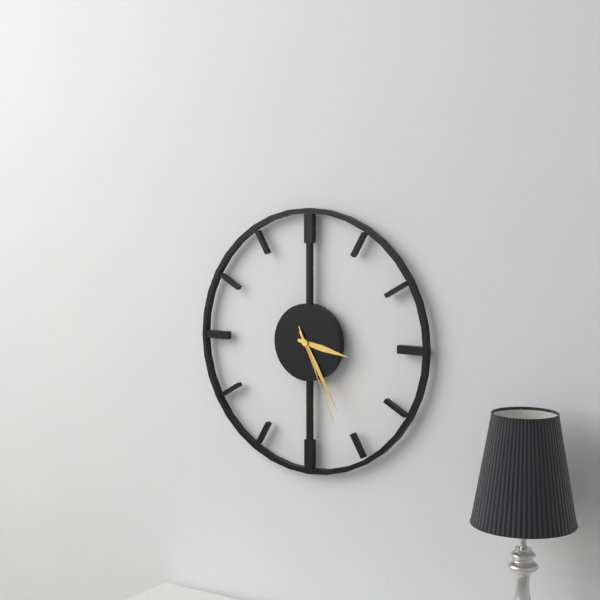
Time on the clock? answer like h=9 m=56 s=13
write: h=3 m=25 s=26
